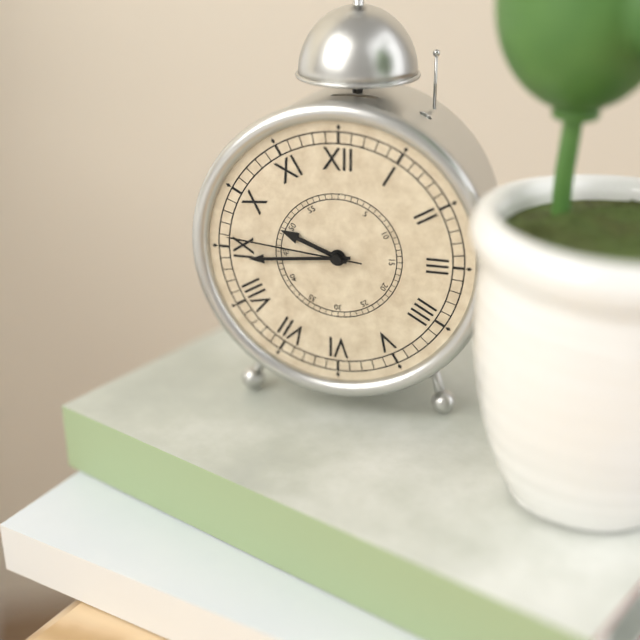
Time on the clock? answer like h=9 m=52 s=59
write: h=9 m=44 s=46
